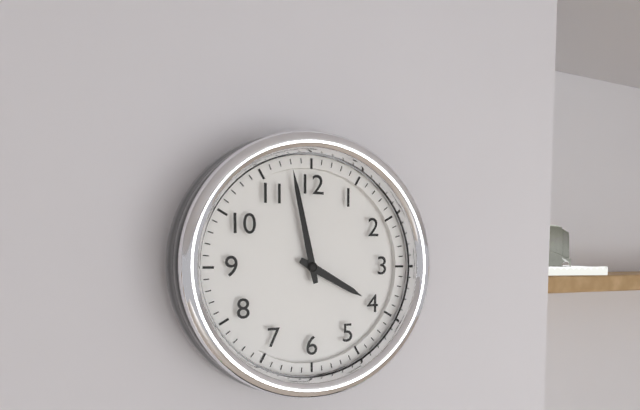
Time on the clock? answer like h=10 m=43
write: h=3 m=58
